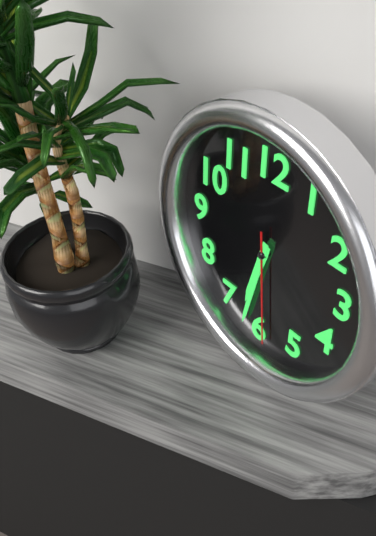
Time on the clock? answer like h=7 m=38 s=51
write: h=6 m=32 s=29
